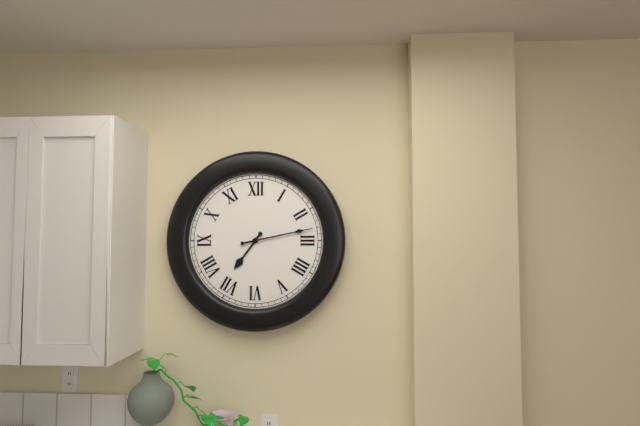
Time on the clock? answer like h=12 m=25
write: h=7 m=13
